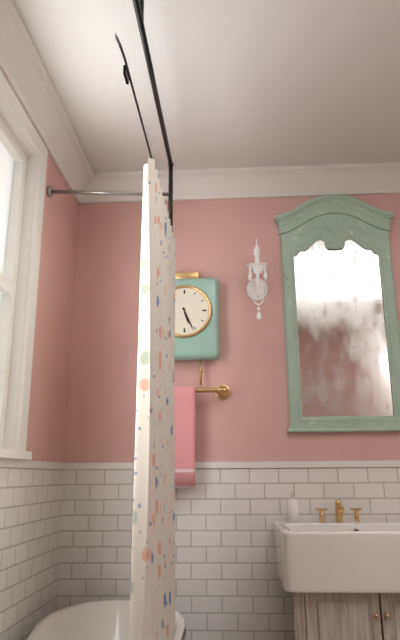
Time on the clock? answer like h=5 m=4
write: h=5 m=26
